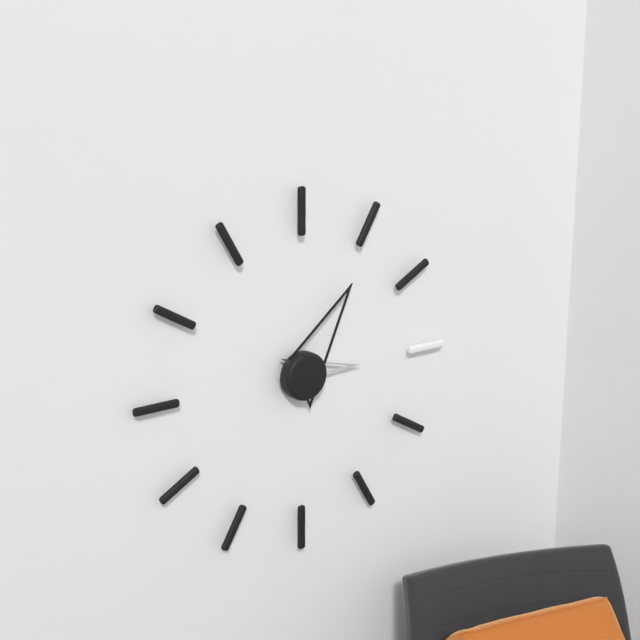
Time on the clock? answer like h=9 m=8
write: h=3 m=6
